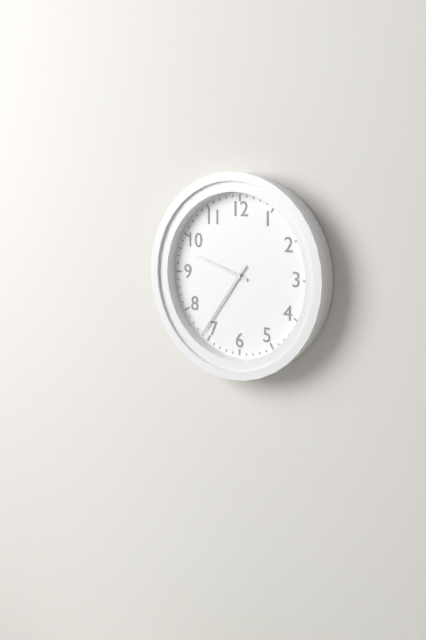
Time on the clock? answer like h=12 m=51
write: h=9 m=36
